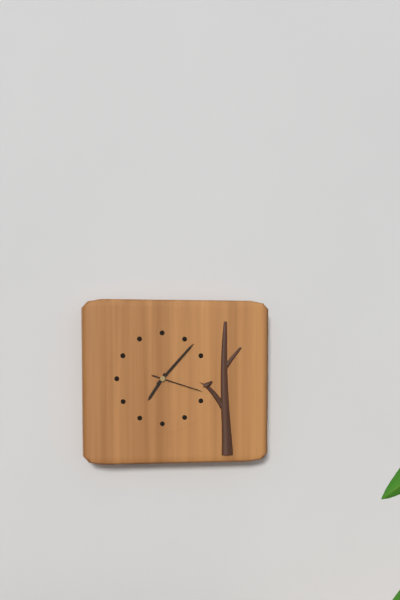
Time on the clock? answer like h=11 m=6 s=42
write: h=7 m=7 s=18
